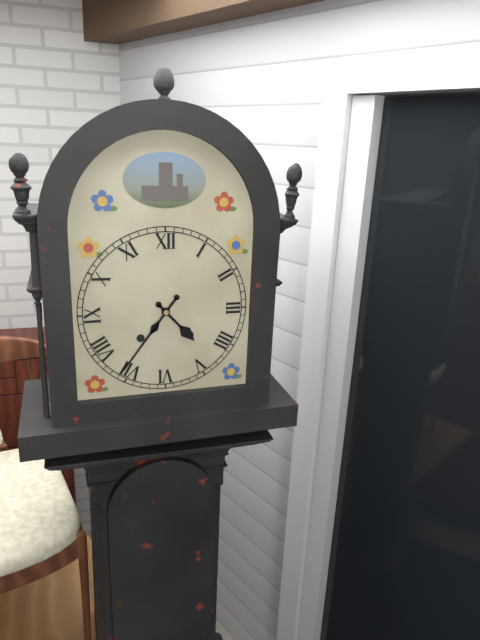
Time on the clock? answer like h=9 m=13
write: h=4 m=36
